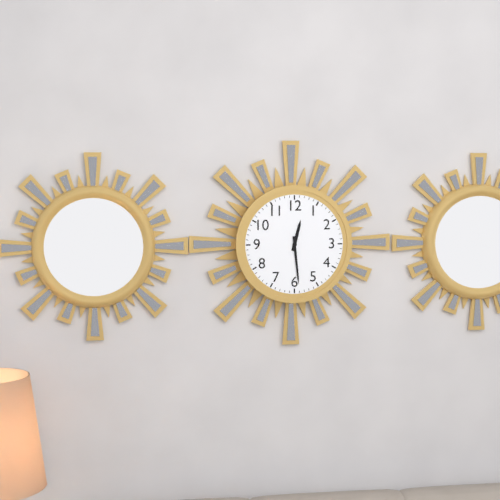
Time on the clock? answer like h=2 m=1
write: h=12 m=29
